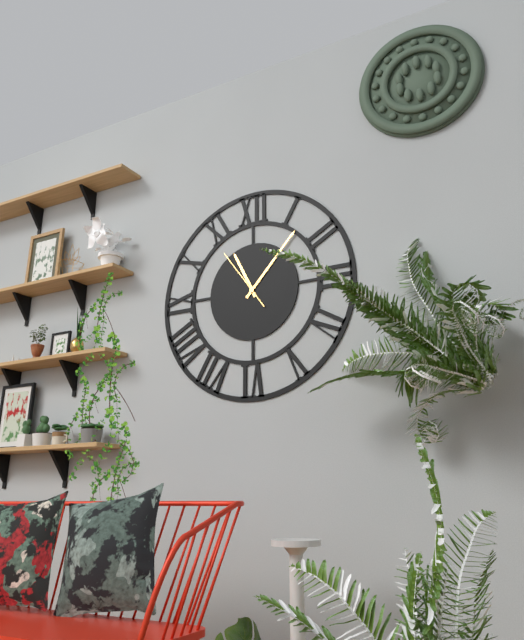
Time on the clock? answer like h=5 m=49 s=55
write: h=11 m=7 s=54
